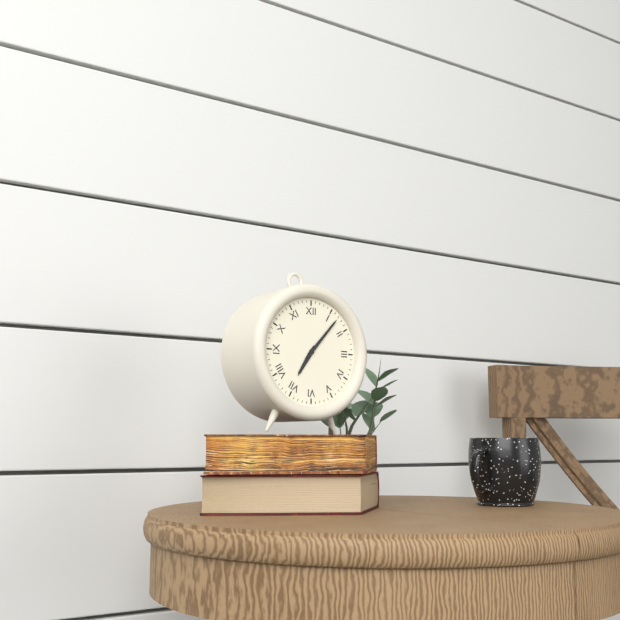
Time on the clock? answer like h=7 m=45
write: h=7 m=7
